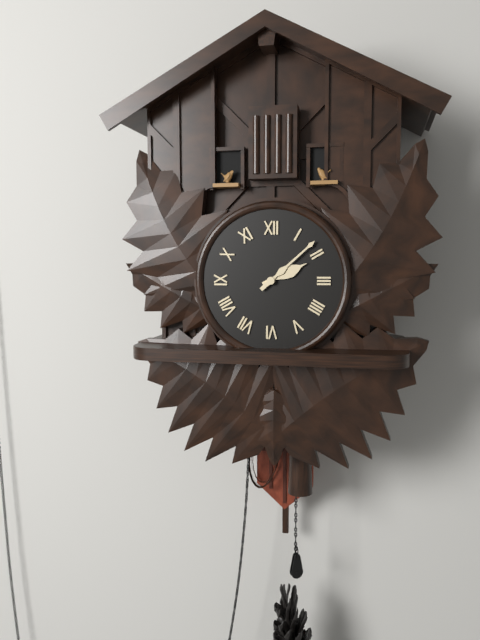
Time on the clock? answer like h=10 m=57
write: h=2 m=8
